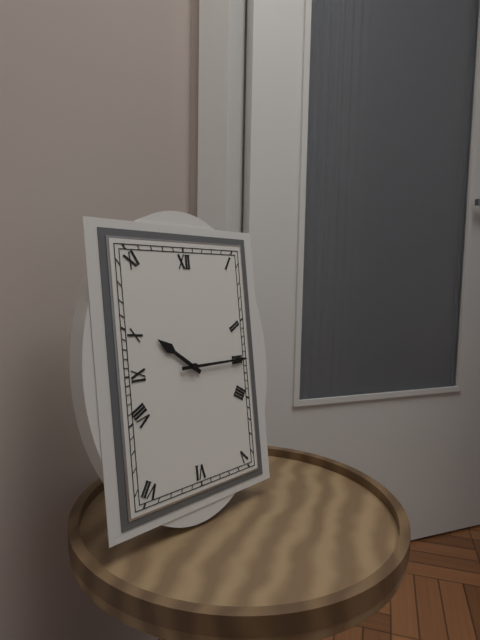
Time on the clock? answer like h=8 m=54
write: h=10 m=15
